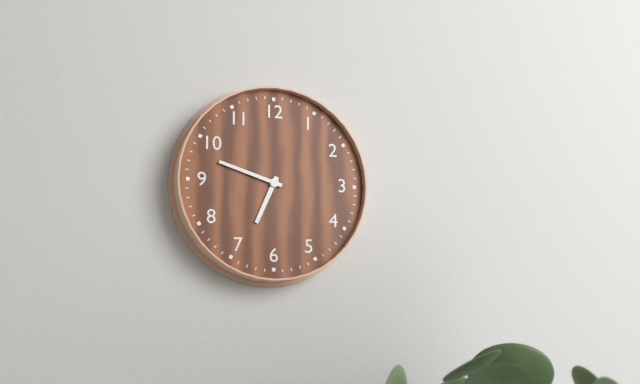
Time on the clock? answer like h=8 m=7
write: h=6 m=48
